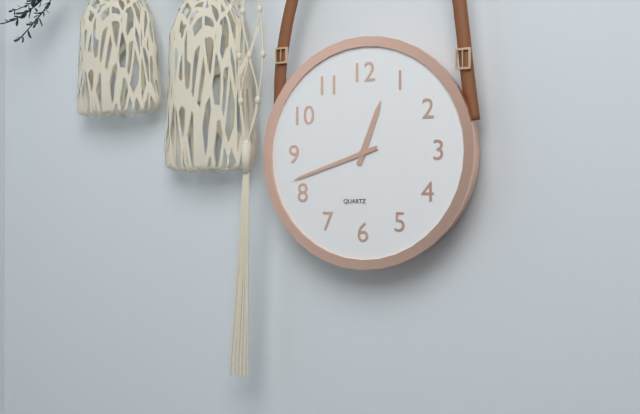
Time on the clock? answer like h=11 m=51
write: h=12 m=42
